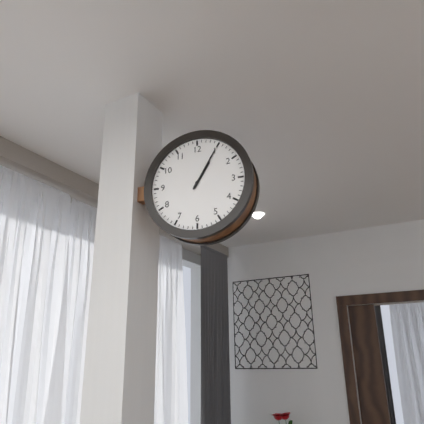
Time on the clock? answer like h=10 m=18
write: h=1 m=5
